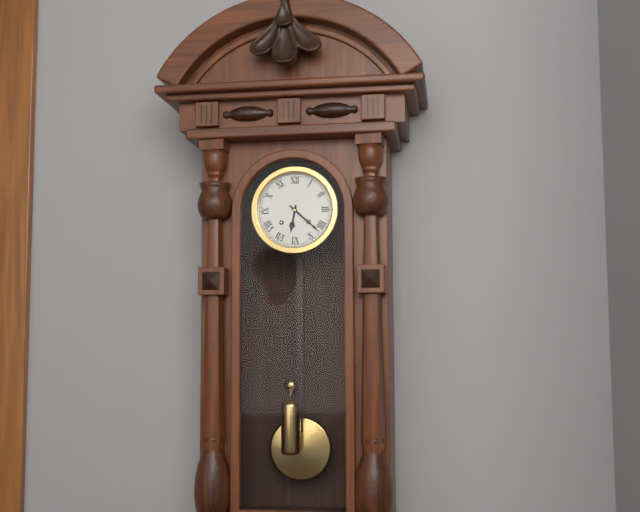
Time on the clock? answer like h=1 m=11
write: h=6 m=22
